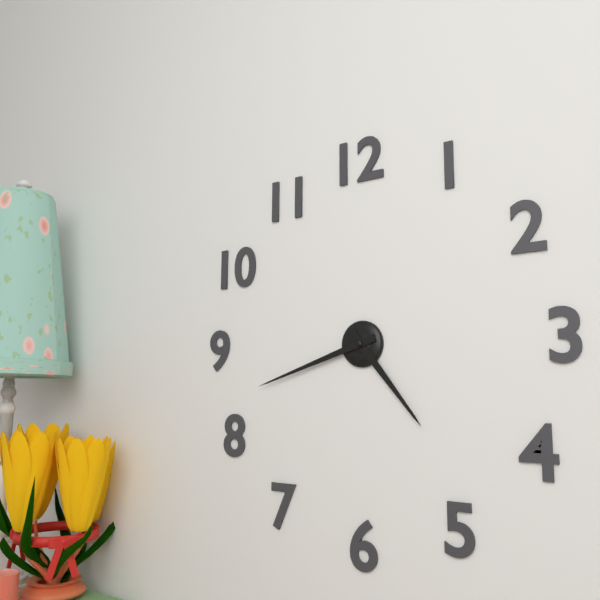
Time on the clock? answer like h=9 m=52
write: h=4 m=42
